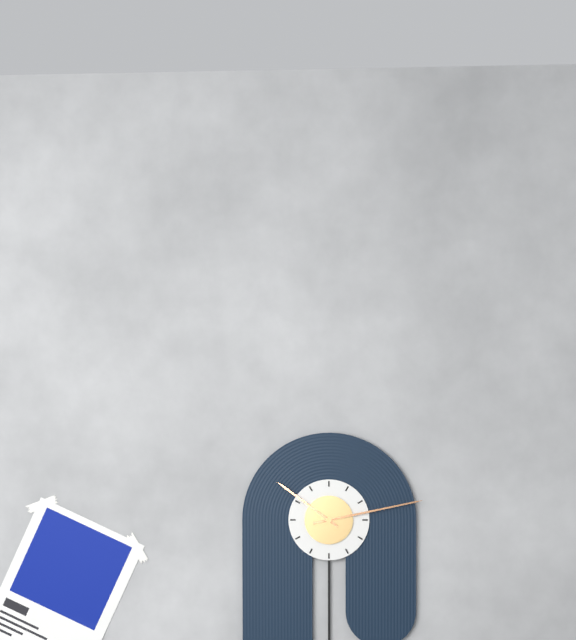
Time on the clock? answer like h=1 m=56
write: h=10 m=13
